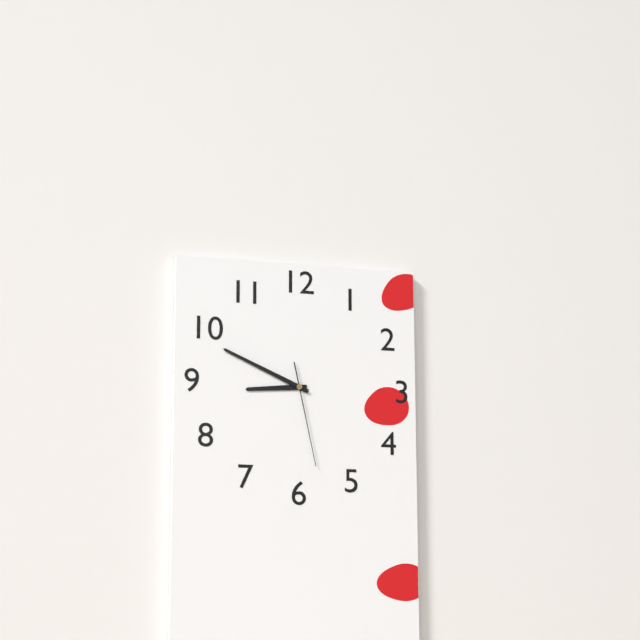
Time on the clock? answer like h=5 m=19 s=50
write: h=8 m=49 s=28
